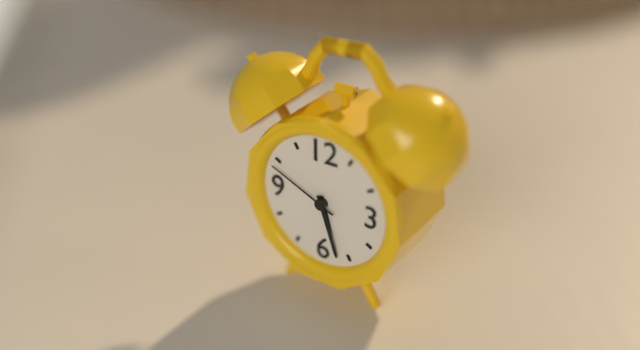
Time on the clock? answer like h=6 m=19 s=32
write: h=5 m=27 s=49
